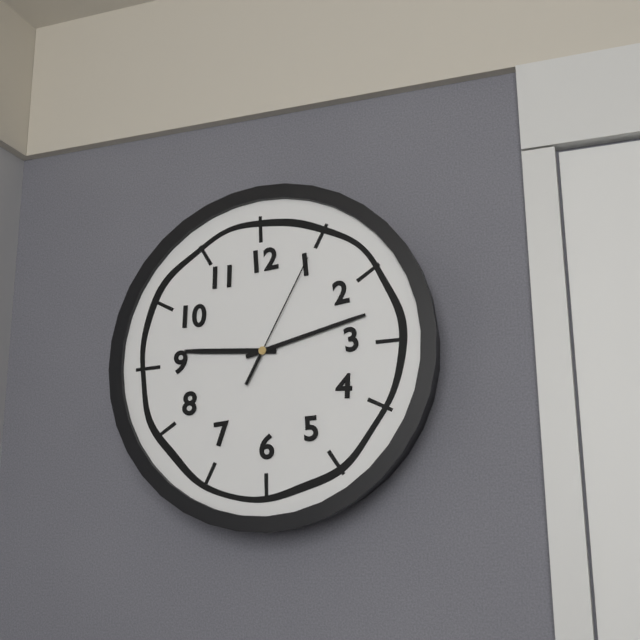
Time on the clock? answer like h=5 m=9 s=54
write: h=9 m=13 s=5
